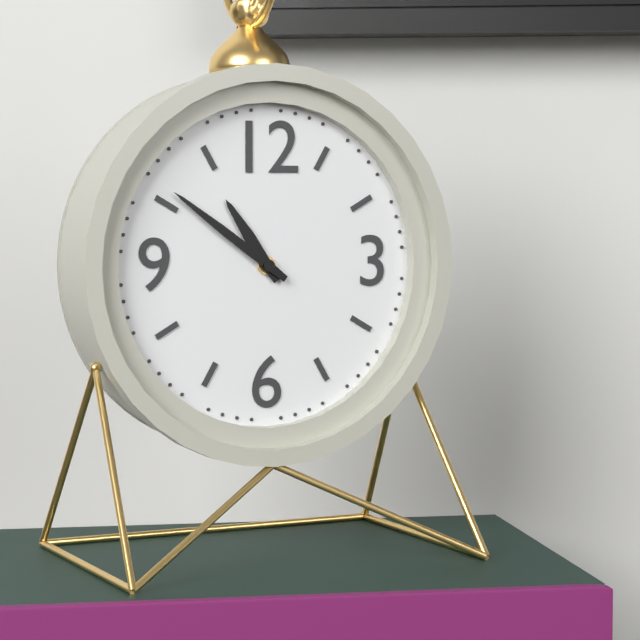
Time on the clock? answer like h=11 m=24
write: h=10 m=51
